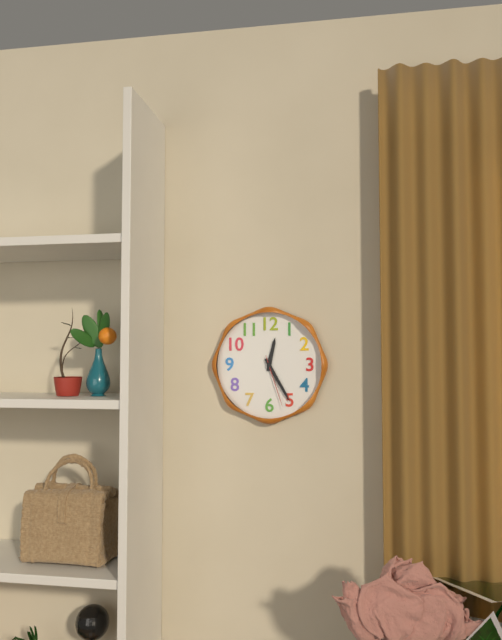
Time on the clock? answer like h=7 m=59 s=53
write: h=12 m=25 s=27
